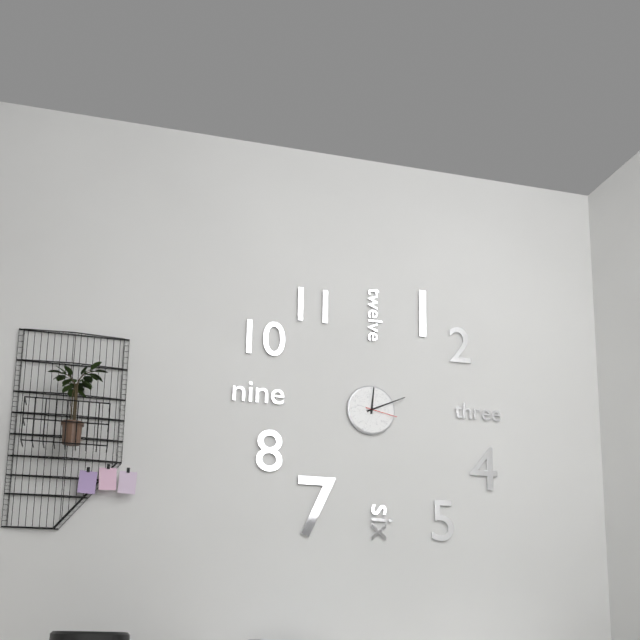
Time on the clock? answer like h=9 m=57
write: h=12 m=11
